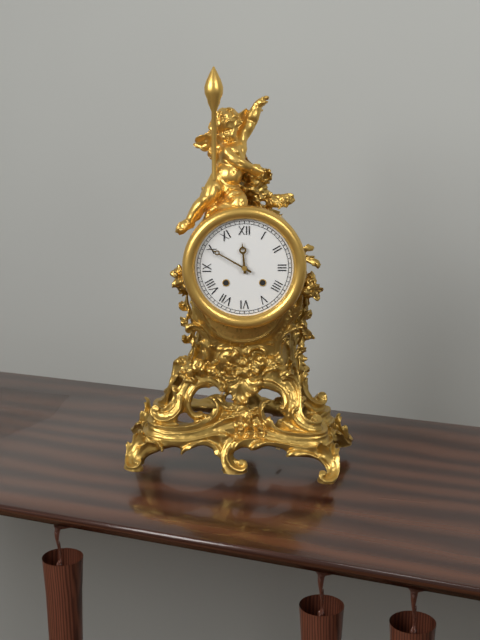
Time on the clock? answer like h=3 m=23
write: h=11 m=50
